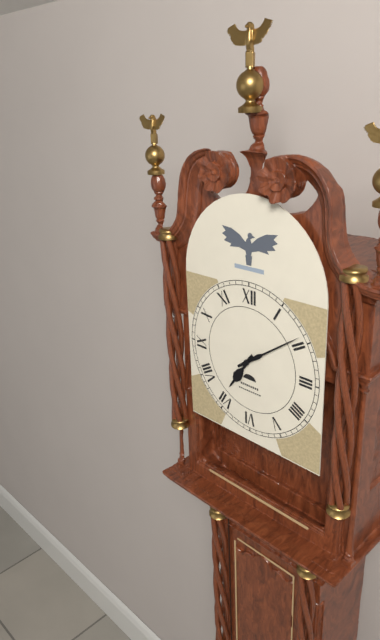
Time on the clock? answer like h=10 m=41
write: h=7 m=9
